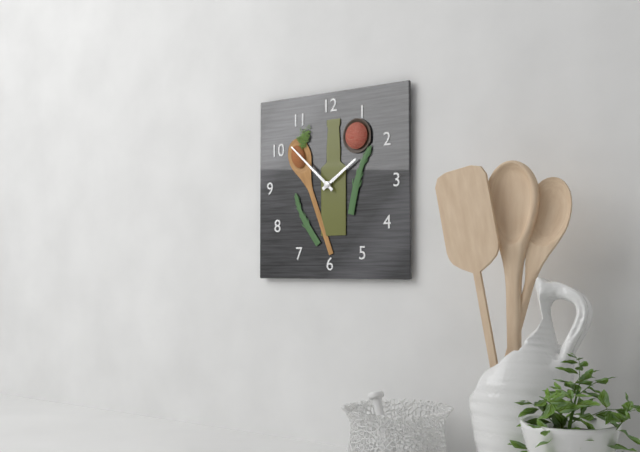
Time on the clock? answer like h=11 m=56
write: h=1 m=52
